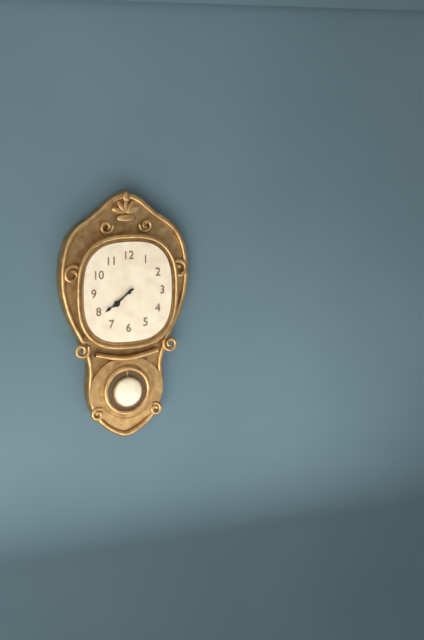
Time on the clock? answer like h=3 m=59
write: h=7 m=39
